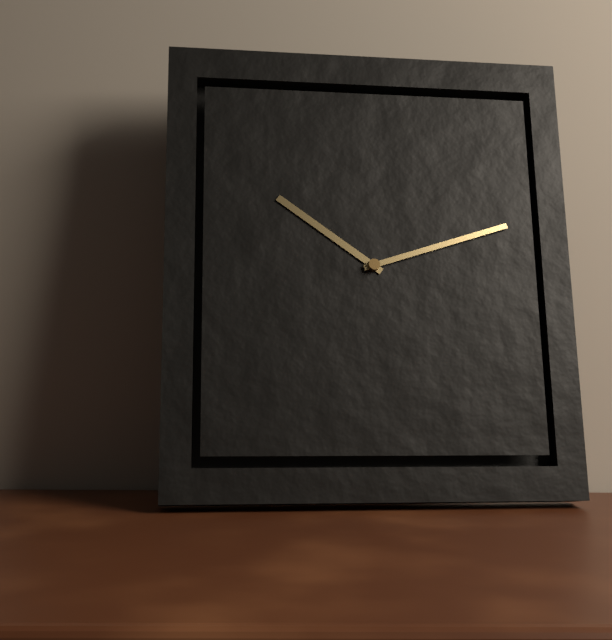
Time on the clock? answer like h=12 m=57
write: h=10 m=12
